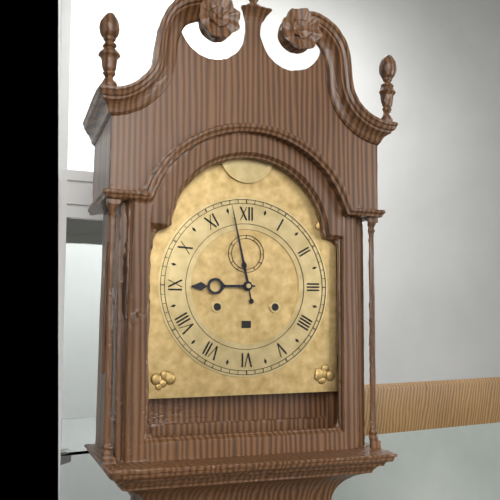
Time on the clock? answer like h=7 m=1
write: h=8 m=58
